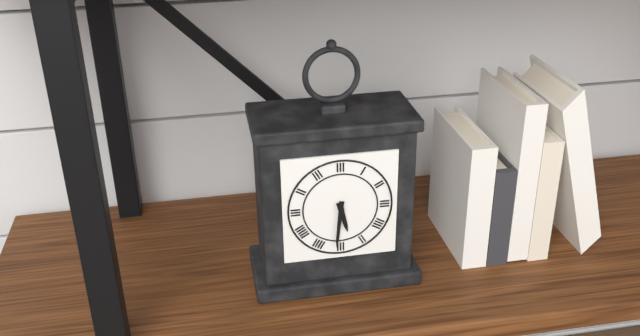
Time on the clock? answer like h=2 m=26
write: h=5 m=31
